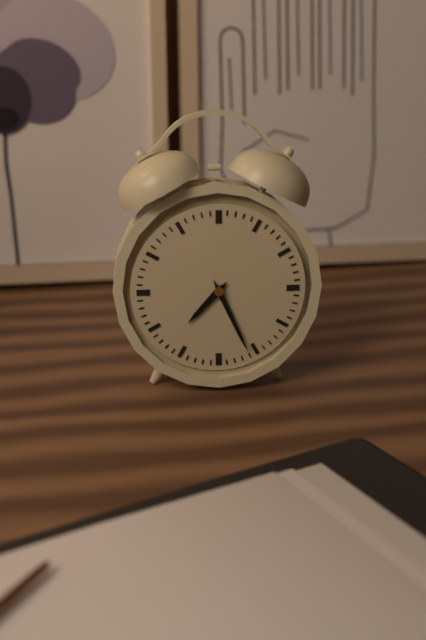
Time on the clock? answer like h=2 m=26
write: h=7 m=26
